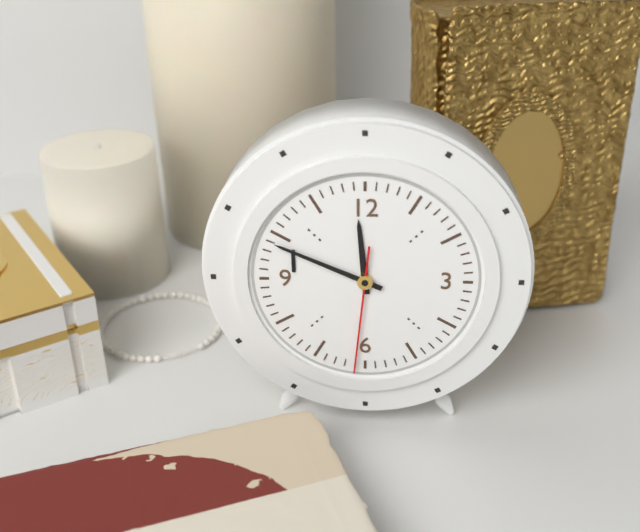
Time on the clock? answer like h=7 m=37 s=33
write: h=11 m=49 s=31
